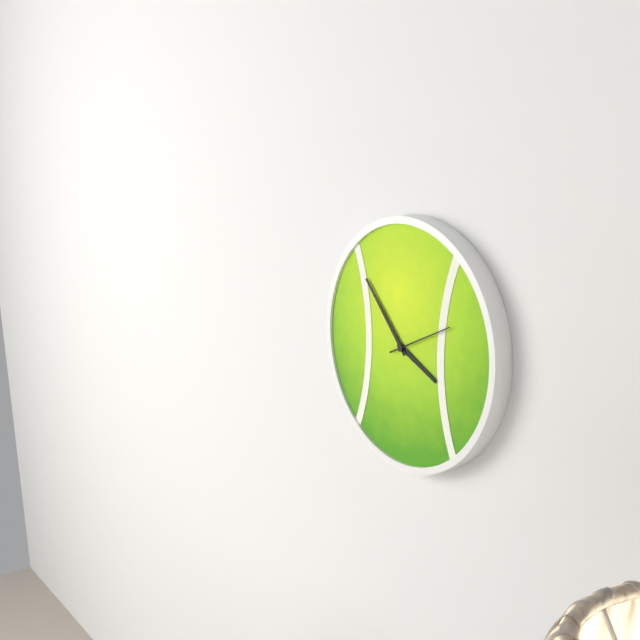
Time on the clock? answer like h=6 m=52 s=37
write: h=3 m=53 s=11
